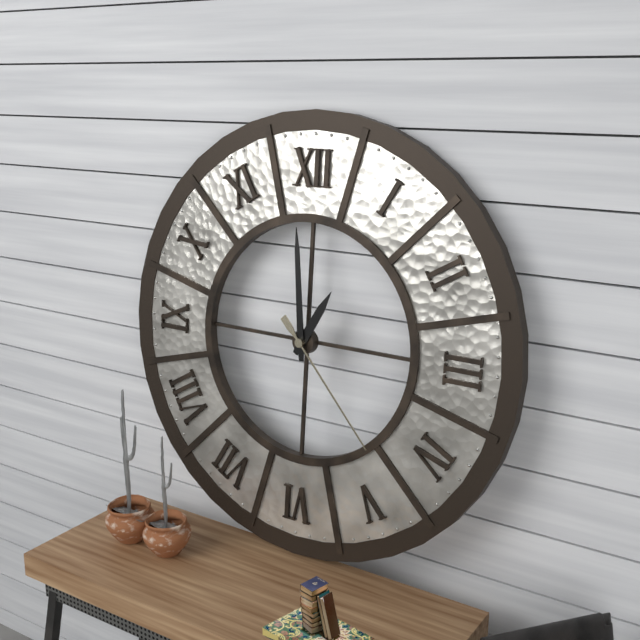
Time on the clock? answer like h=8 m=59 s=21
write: h=12 m=59 s=23
